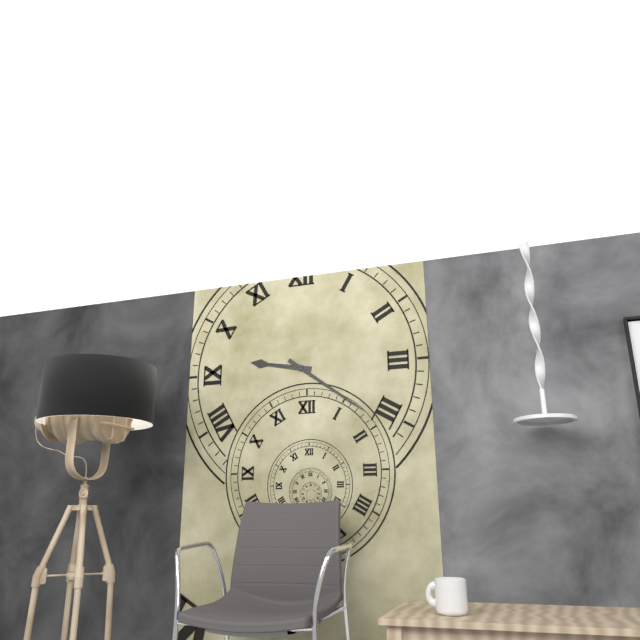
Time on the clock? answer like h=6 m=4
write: h=9 m=21
